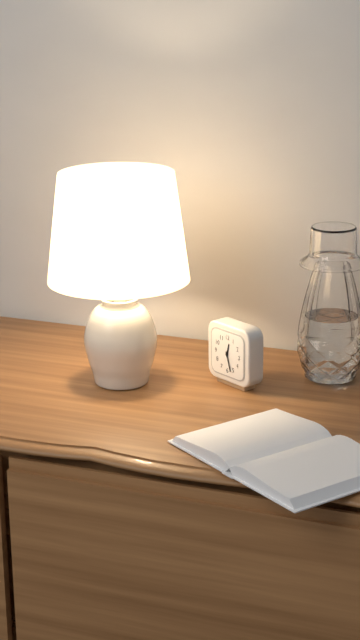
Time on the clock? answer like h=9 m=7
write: h=12 m=27
